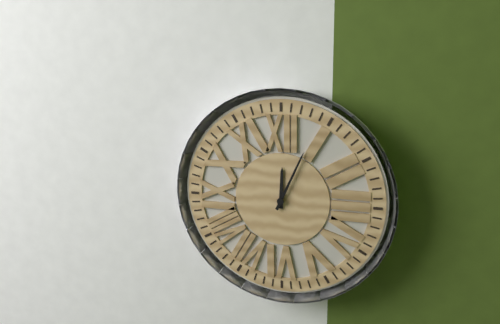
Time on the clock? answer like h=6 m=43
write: h=12 m=4
